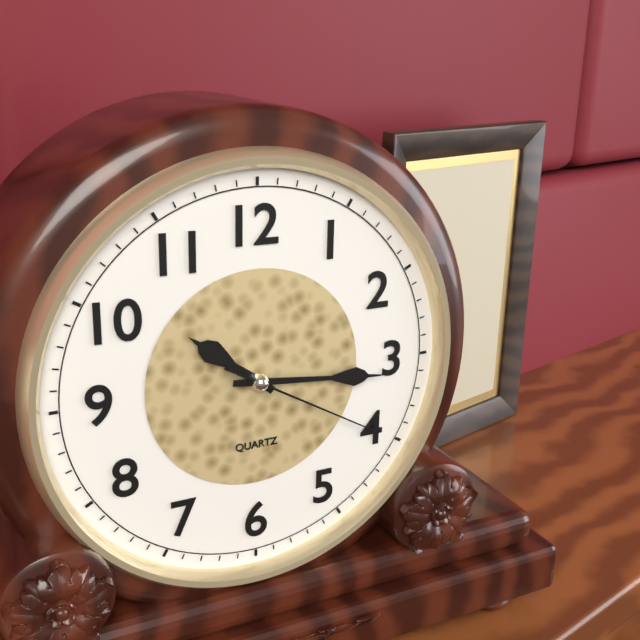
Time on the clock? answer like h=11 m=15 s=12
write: h=10 m=16 s=20
